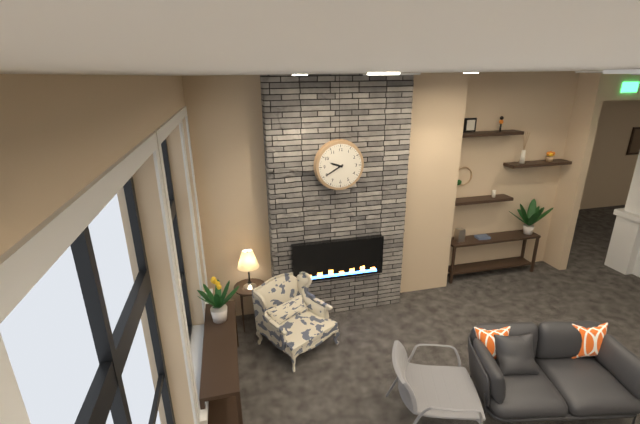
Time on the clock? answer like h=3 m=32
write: h=9 m=40
